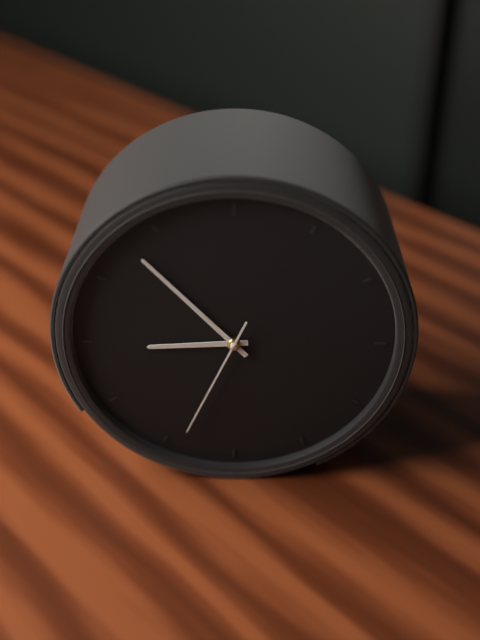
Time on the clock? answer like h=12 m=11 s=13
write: h=8 m=53 s=34
